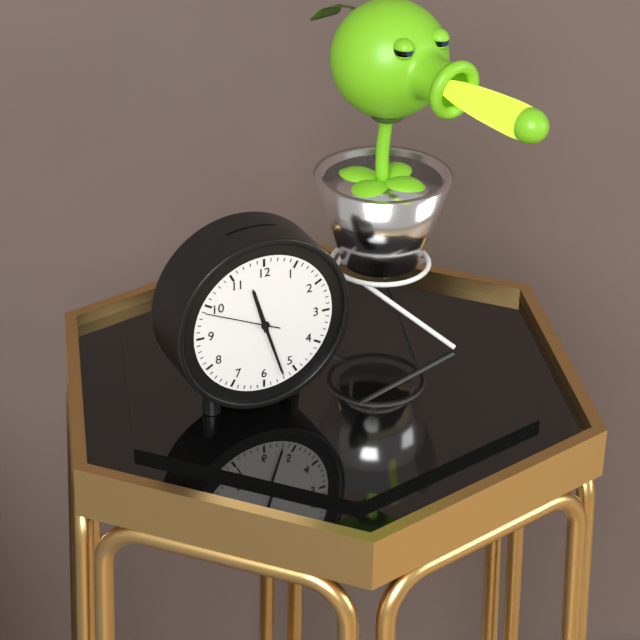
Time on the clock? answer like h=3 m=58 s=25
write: h=11 m=27 s=49
